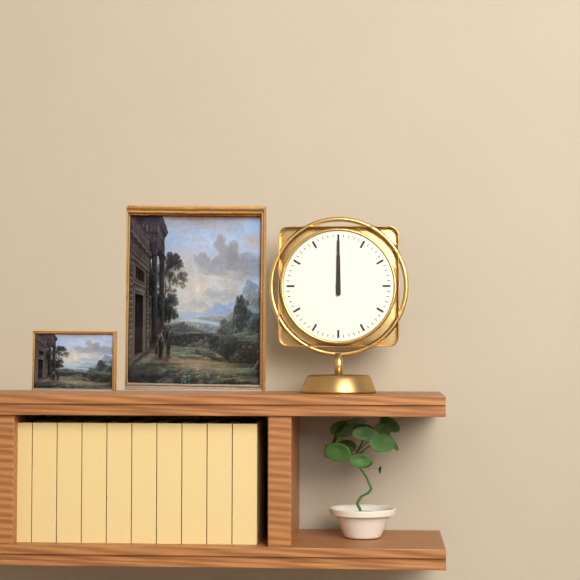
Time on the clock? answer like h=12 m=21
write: h=12 m=0
